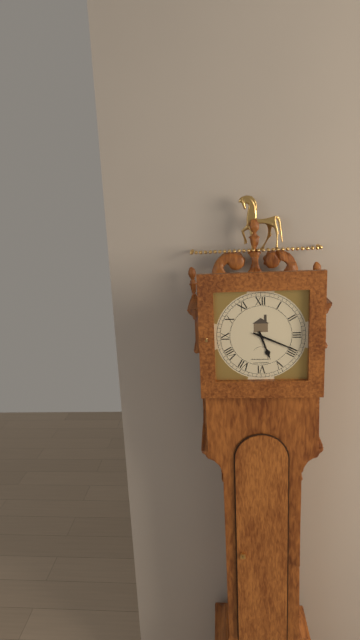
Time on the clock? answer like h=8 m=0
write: h=5 m=19
